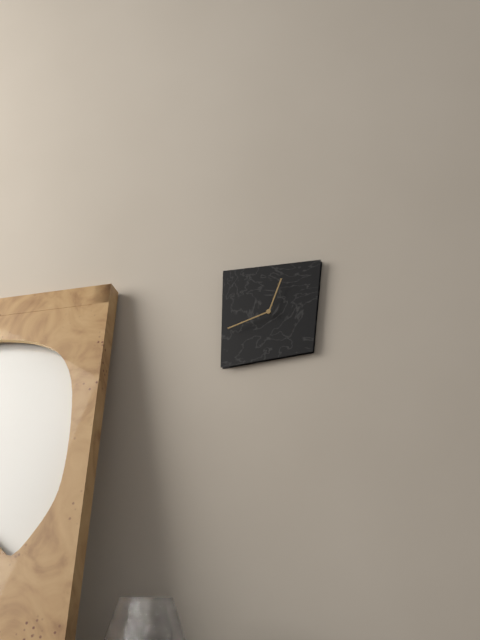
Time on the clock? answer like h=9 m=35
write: h=12 m=42
